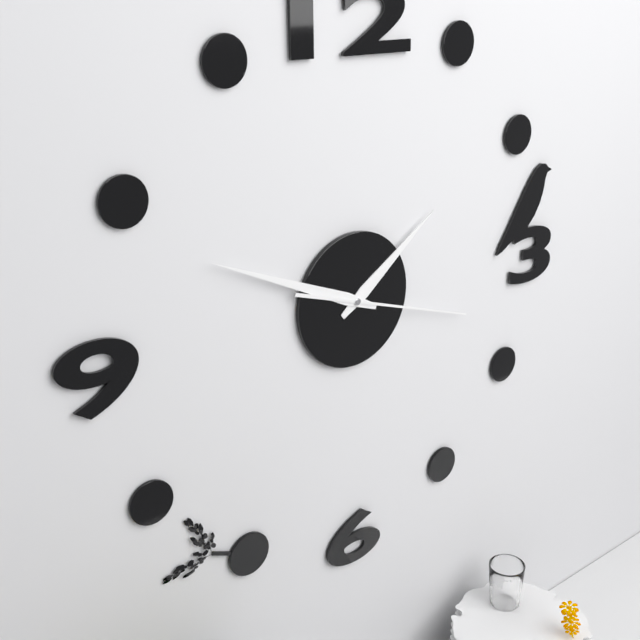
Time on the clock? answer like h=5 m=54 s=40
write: h=1 m=49 s=18
